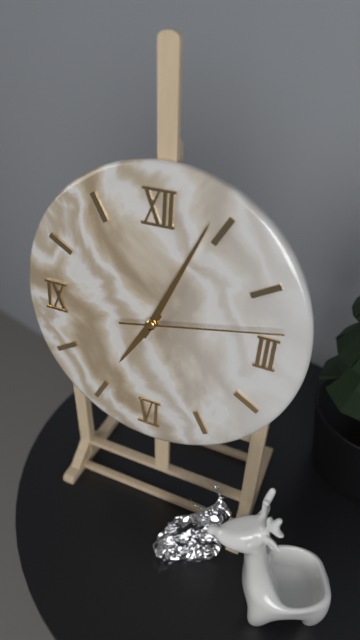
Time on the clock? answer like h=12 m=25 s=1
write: h=7 m=4 s=13
